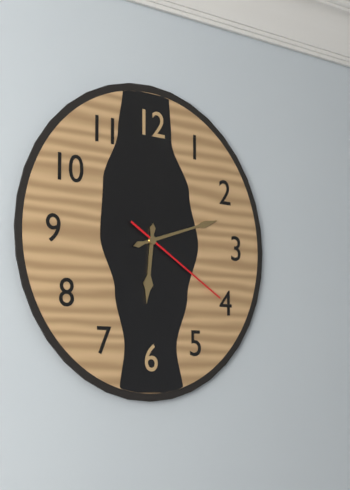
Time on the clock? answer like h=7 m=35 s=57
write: h=6 m=12 s=20
